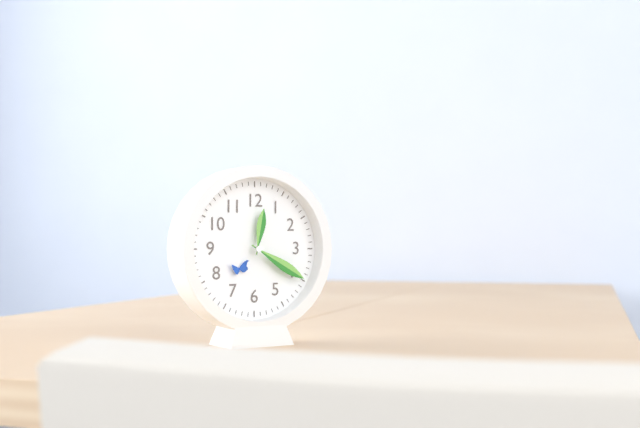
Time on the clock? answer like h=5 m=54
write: h=12 m=20
